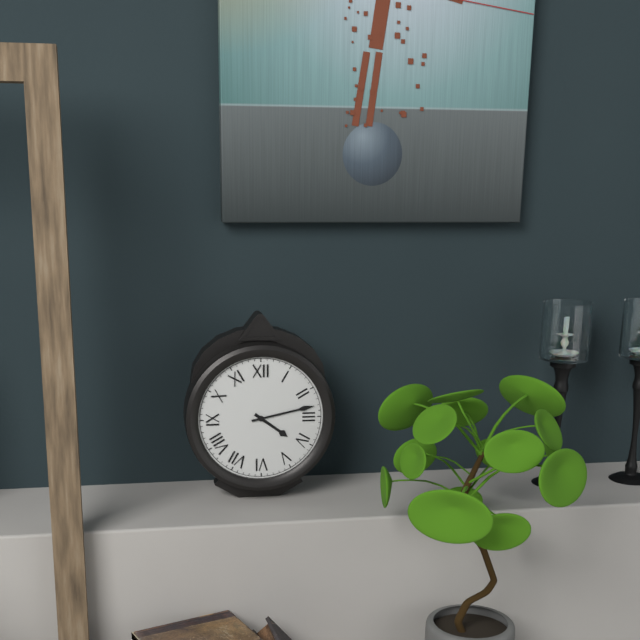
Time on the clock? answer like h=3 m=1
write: h=4 m=13
